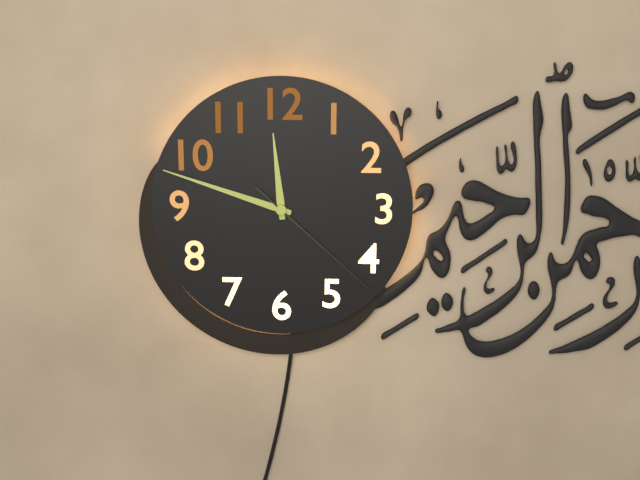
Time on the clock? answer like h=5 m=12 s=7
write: h=11 m=48 s=22
